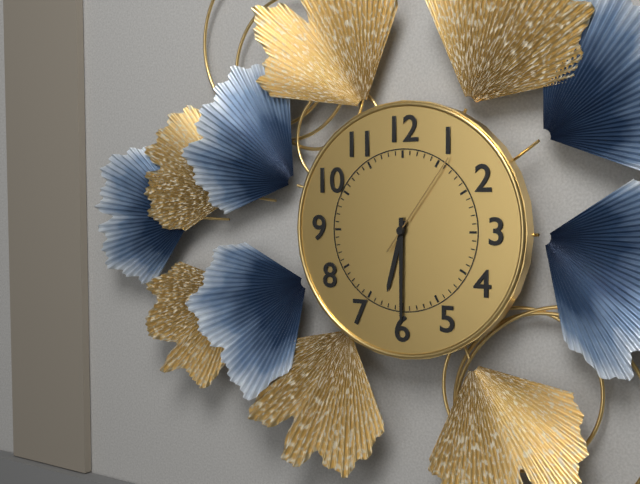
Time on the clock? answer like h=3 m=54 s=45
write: h=6 m=30 s=6
